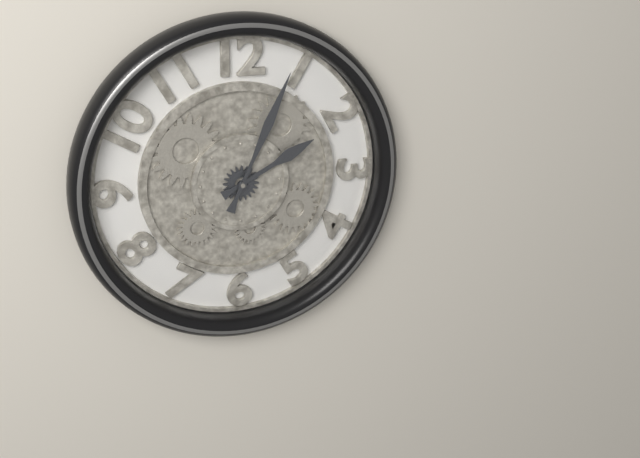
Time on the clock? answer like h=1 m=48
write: h=2 m=4
